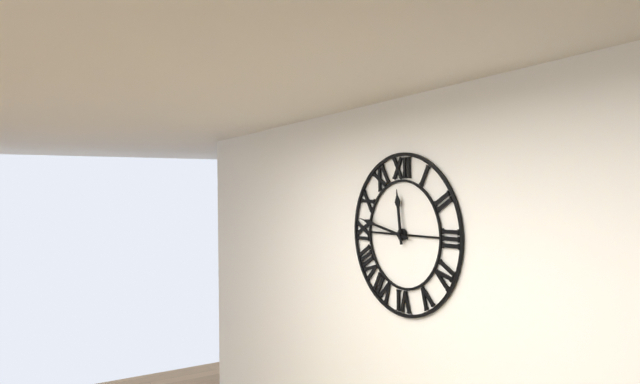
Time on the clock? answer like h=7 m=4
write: h=11 m=47
